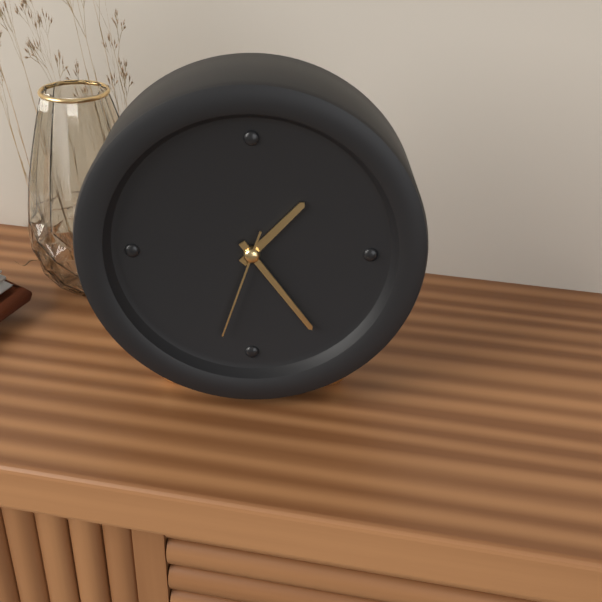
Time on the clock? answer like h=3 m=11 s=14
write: h=1 m=24 s=33
